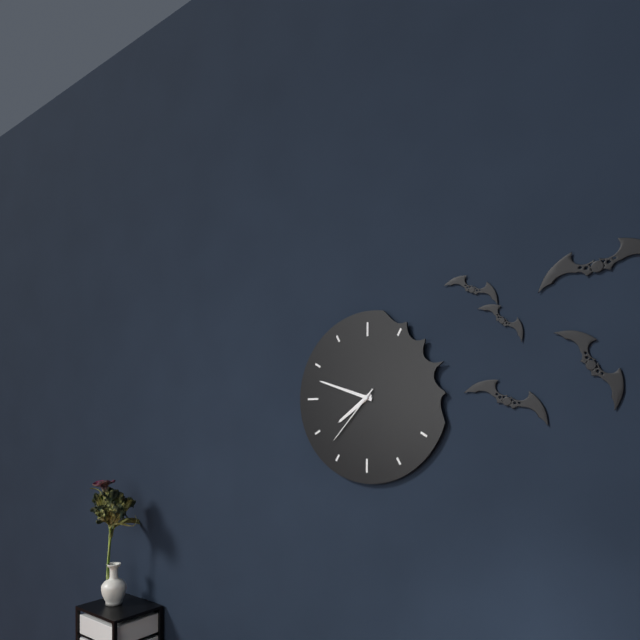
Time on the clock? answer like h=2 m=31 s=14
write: h=7 m=48 s=37
